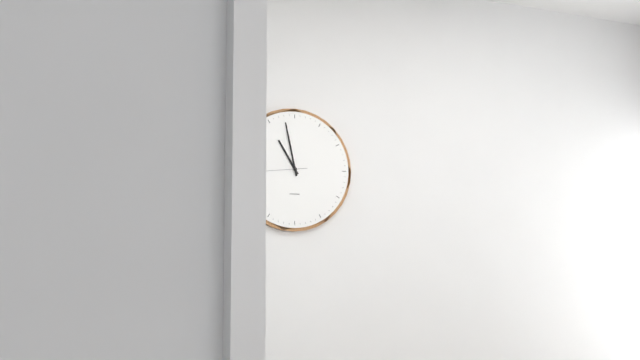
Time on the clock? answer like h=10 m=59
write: h=10 m=58
